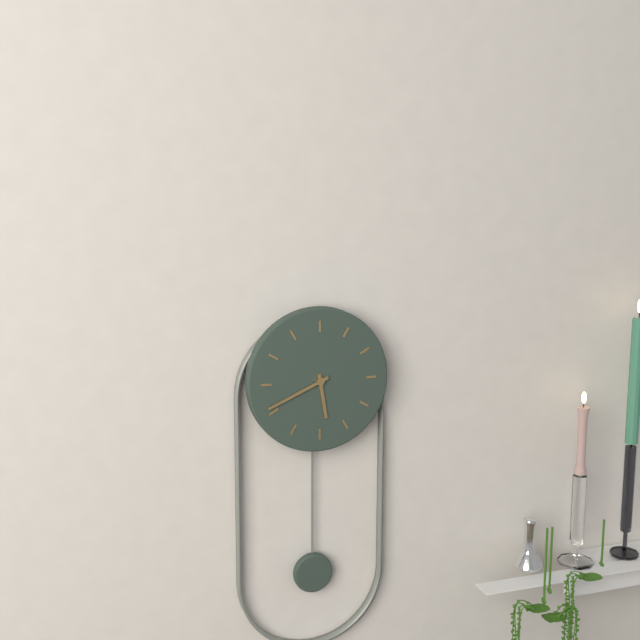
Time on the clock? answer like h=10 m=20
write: h=5 m=41
